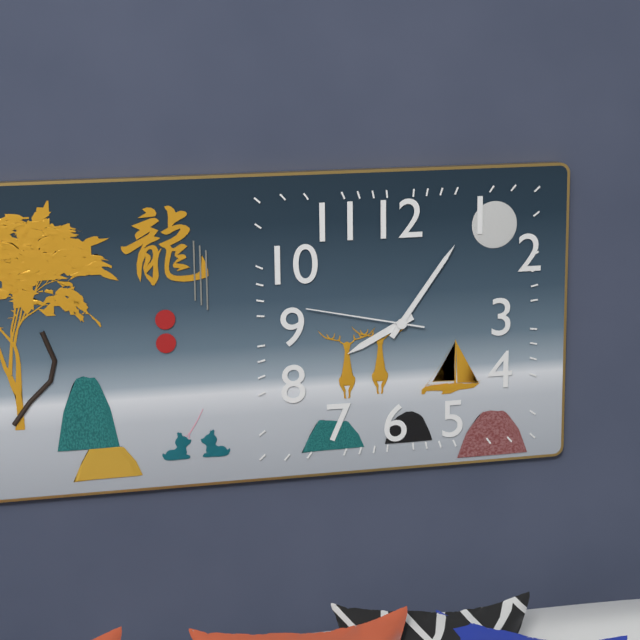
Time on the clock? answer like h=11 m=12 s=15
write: h=8 m=6 s=47
